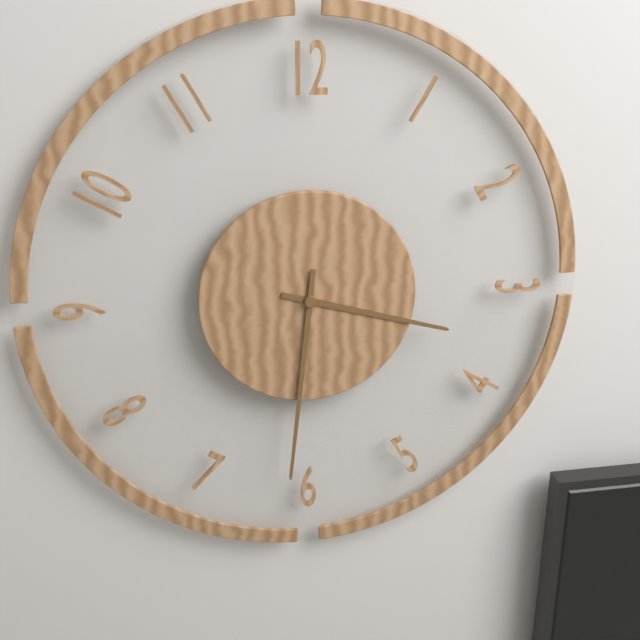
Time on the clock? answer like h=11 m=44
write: h=3 m=31
